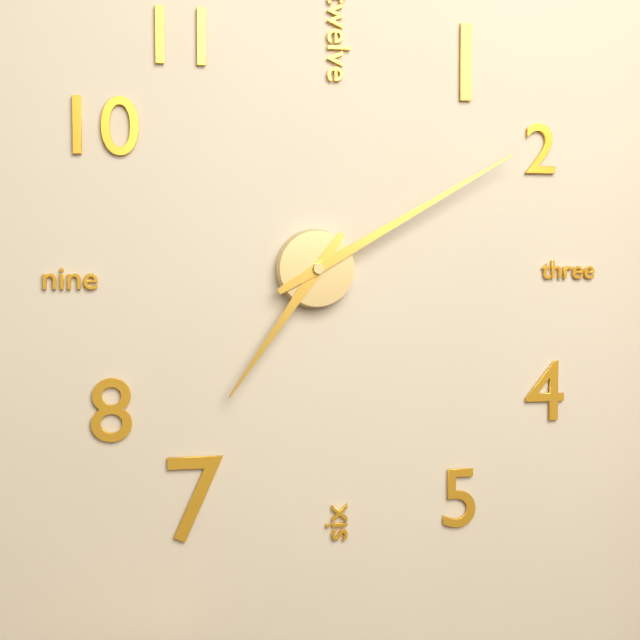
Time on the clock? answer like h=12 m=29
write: h=7 m=10
